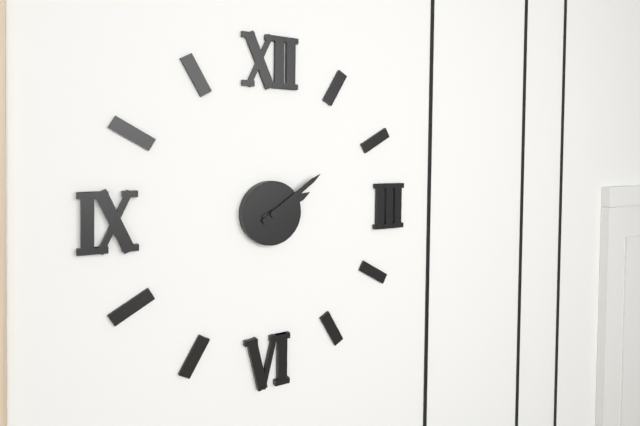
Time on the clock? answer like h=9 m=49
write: h=2 m=9
